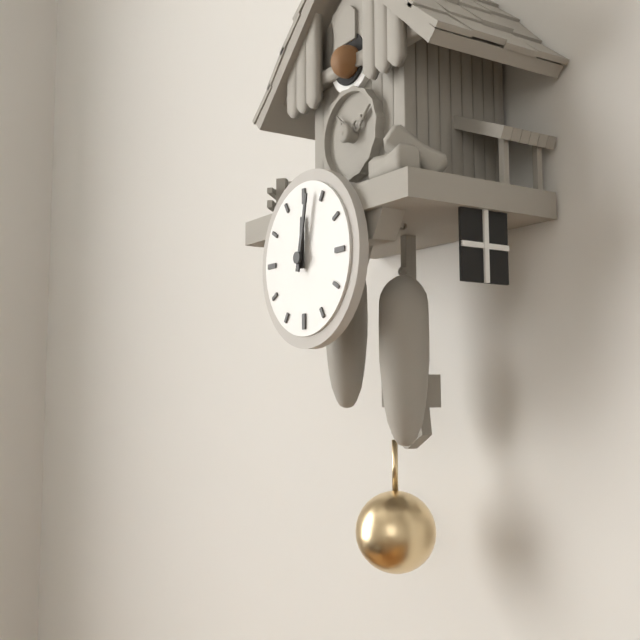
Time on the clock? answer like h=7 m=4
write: h=12 m=2
